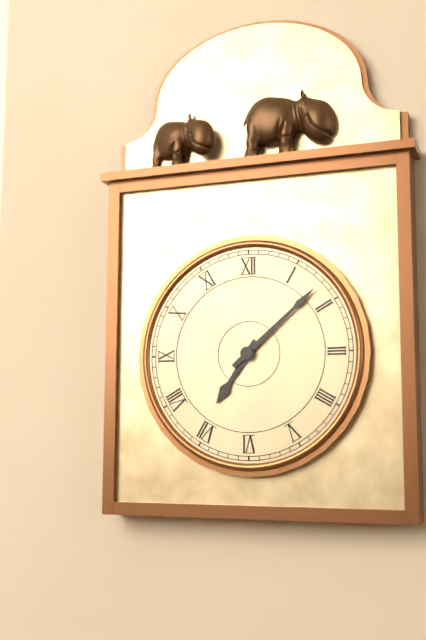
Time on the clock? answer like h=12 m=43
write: h=7 m=8
